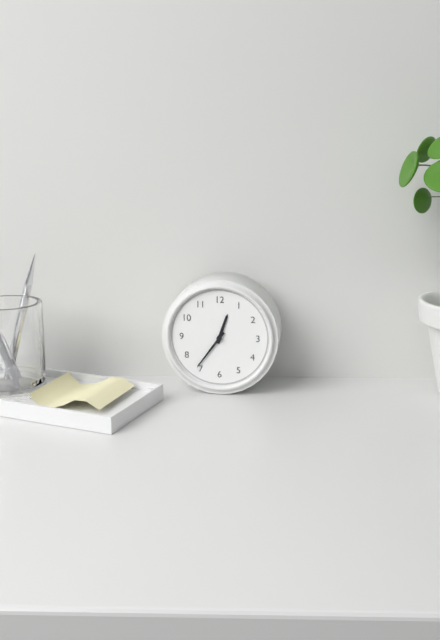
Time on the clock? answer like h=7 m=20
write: h=12 m=36
